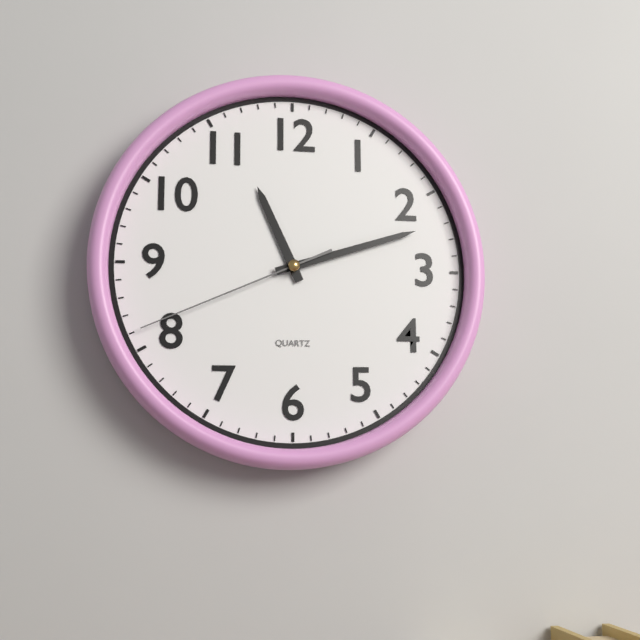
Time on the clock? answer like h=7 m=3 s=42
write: h=11 m=12 s=41
